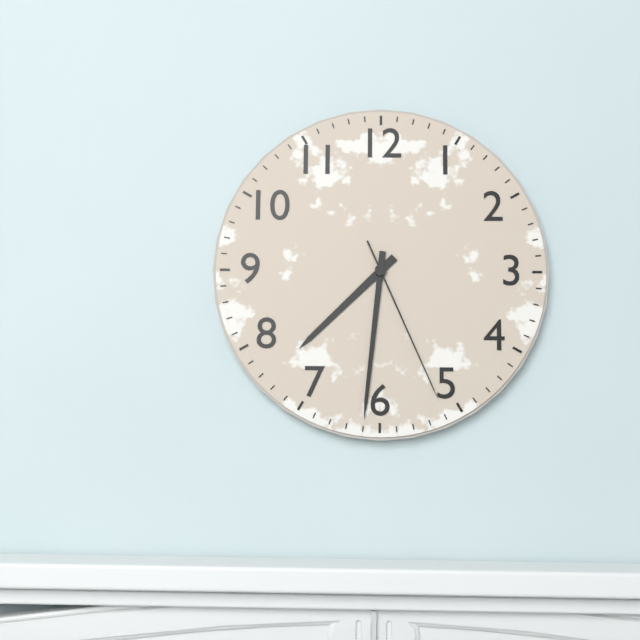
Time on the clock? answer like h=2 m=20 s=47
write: h=7 m=31 s=26
